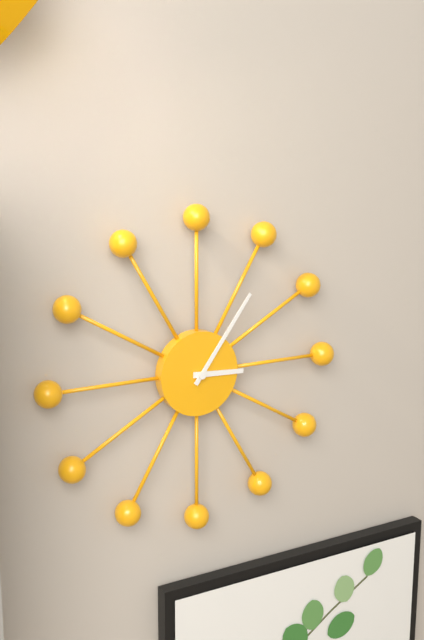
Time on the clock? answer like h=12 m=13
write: h=3 m=6
